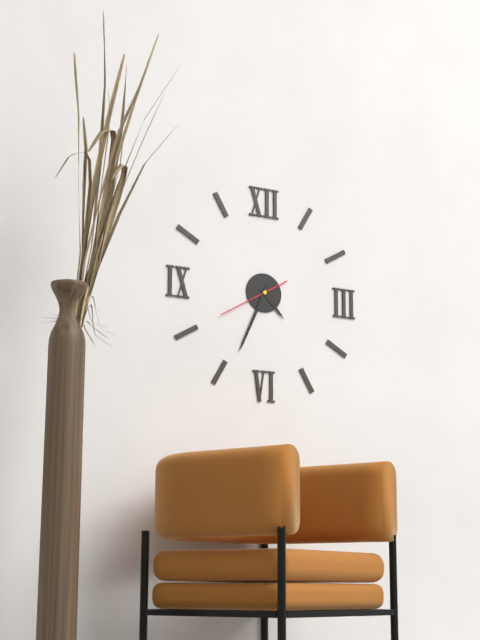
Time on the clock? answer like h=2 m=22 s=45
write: h=4 m=34 s=40
